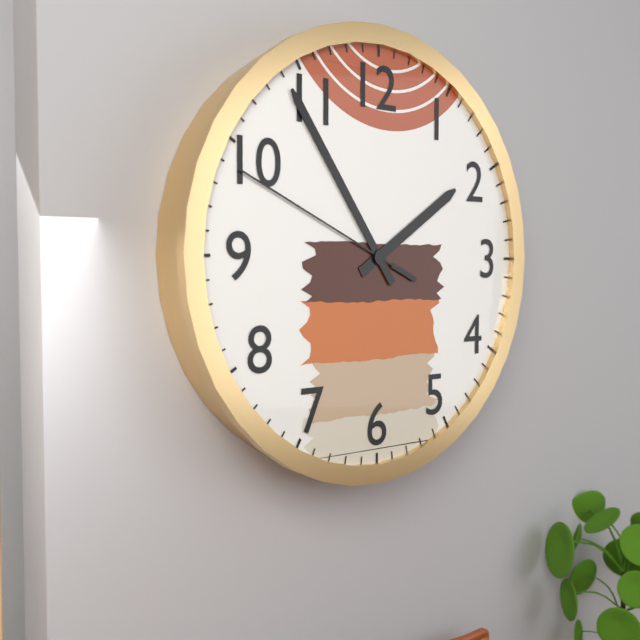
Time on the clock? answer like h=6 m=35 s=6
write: h=1 m=54 s=49
